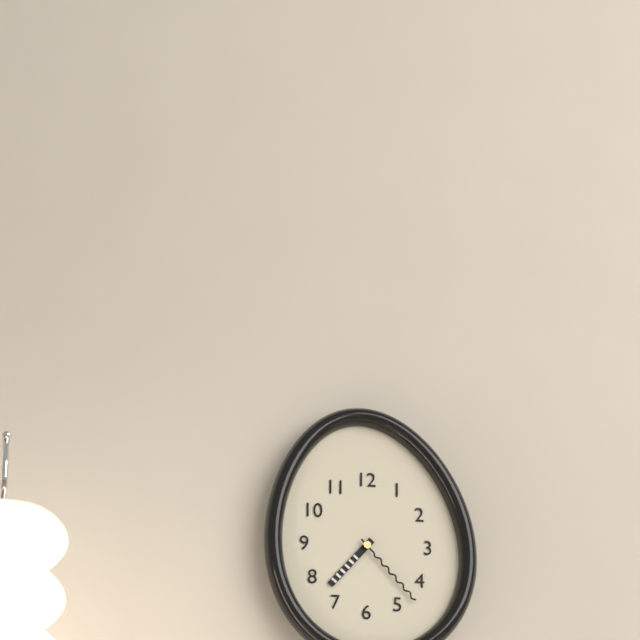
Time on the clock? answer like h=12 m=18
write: h=7 m=23
